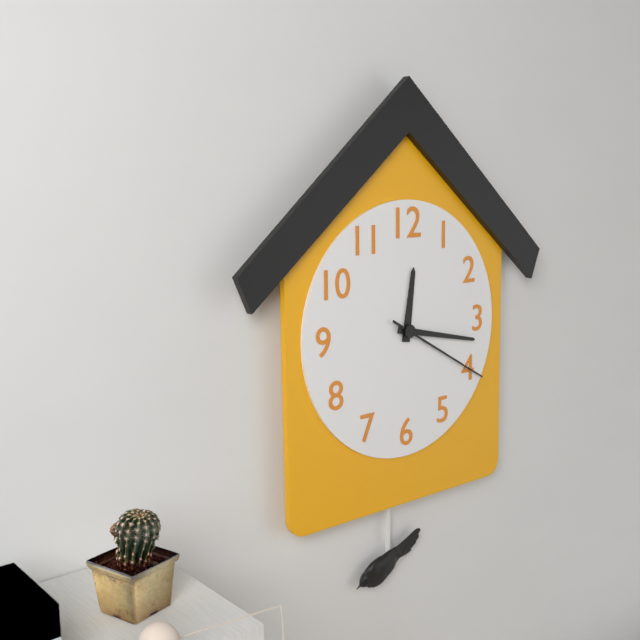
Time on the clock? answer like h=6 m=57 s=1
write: h=12 m=17 s=20
